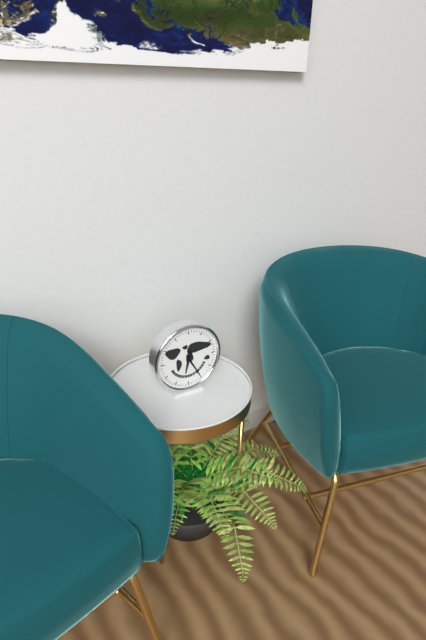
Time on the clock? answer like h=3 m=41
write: h=6 m=25
